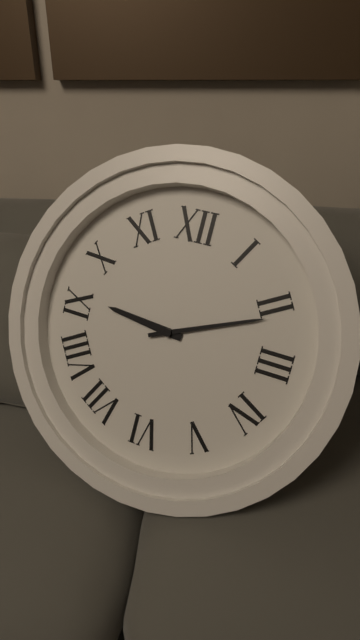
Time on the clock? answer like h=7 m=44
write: h=9 m=11
